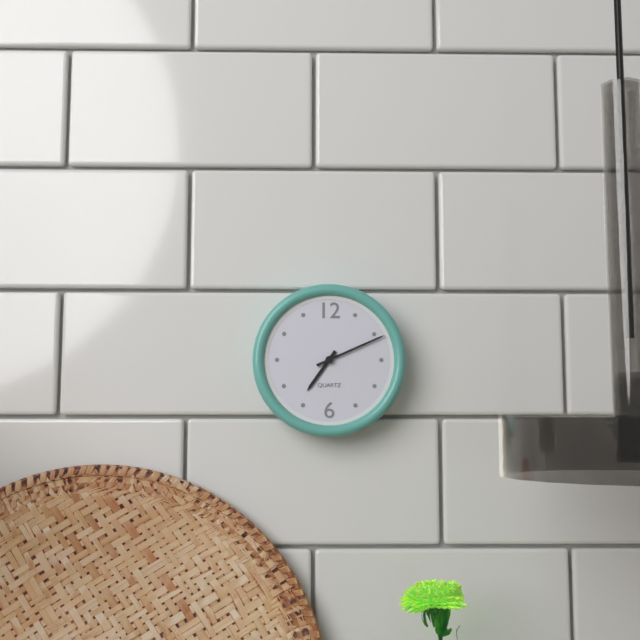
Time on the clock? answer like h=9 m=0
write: h=7 m=11
